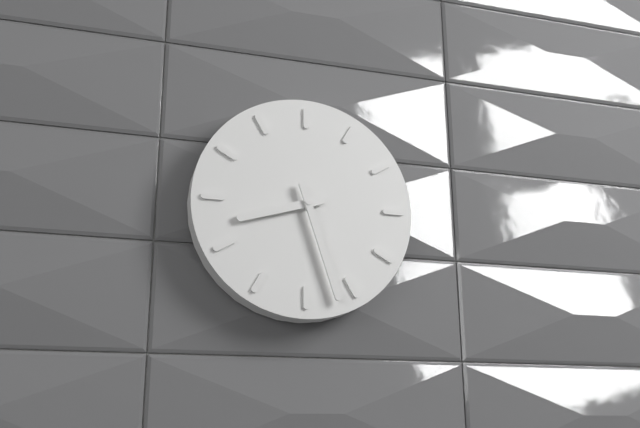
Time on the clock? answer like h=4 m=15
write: h=8 m=27
